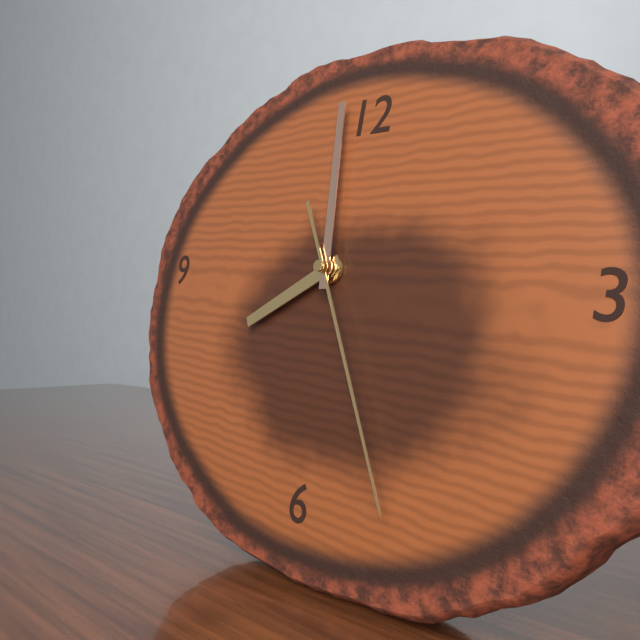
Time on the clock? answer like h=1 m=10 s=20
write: h=7 m=59 s=25
